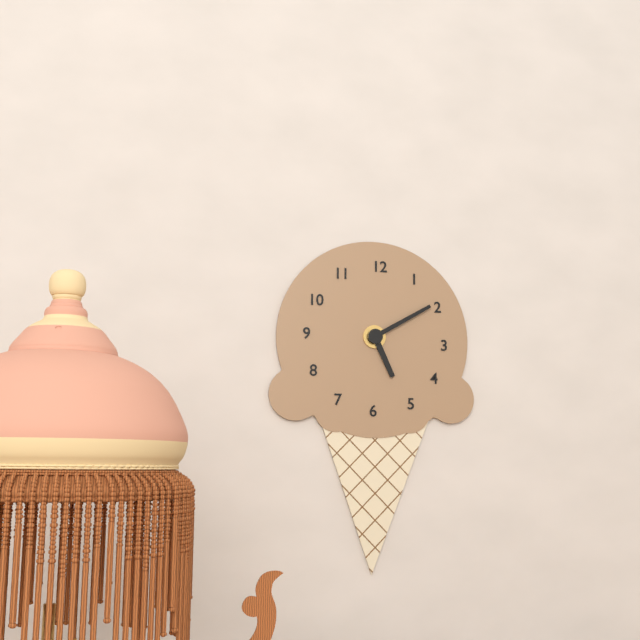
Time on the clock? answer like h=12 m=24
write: h=5 m=10
